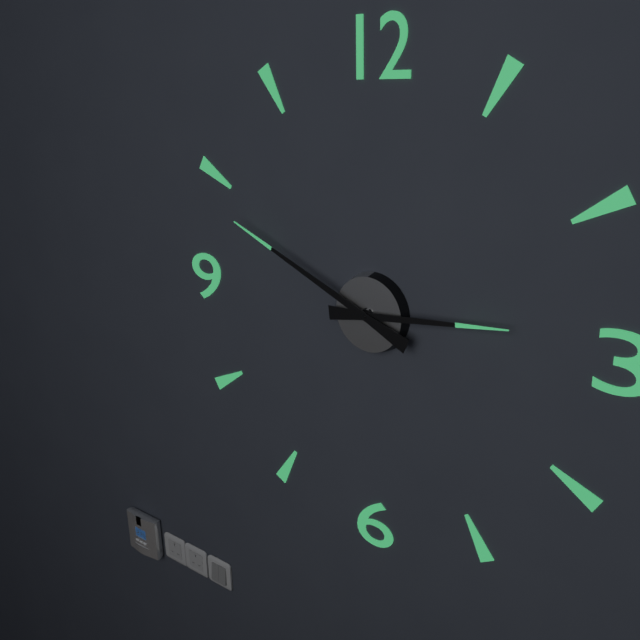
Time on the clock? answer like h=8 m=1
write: h=2 m=49
